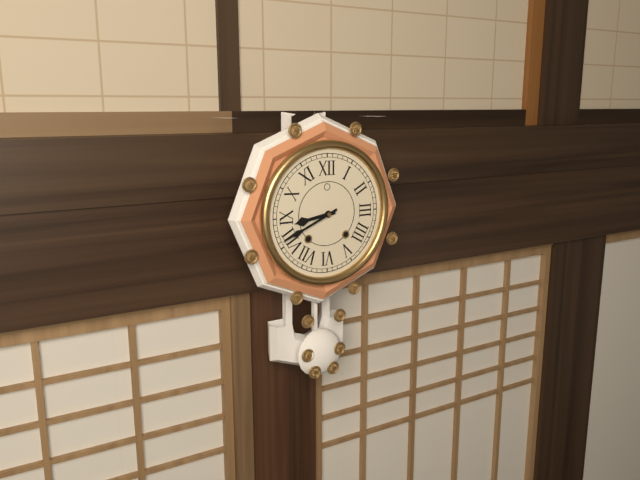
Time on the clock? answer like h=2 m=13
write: h=8 m=41
